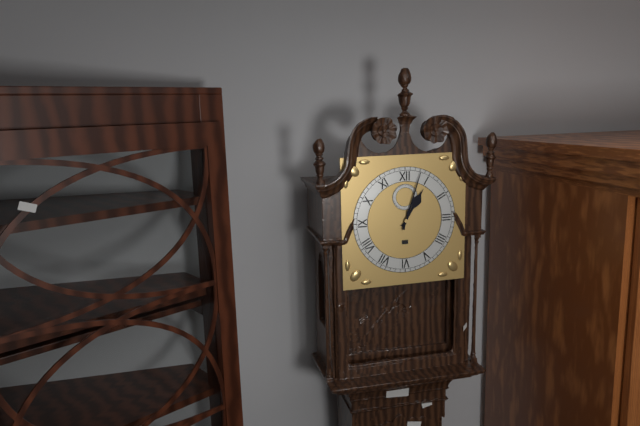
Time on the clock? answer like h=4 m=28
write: h=1 m=3
